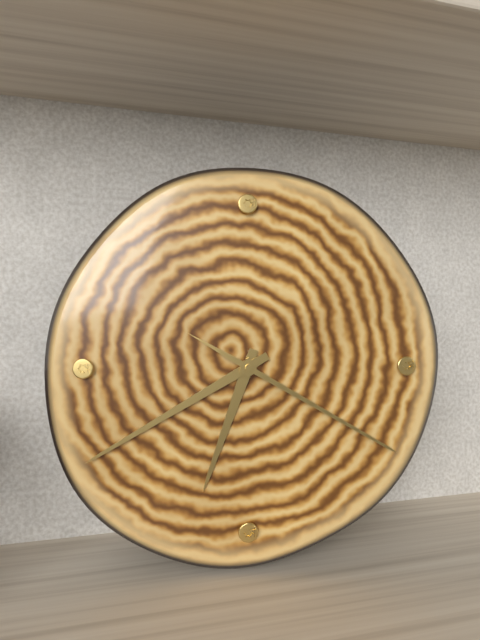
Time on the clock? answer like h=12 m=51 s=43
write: h=6 m=40 s=20
